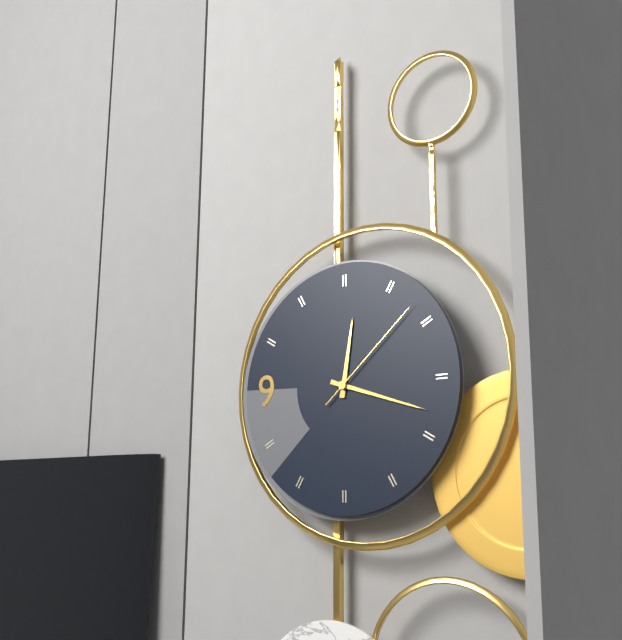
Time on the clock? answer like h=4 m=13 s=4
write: h=12 m=18 s=8
